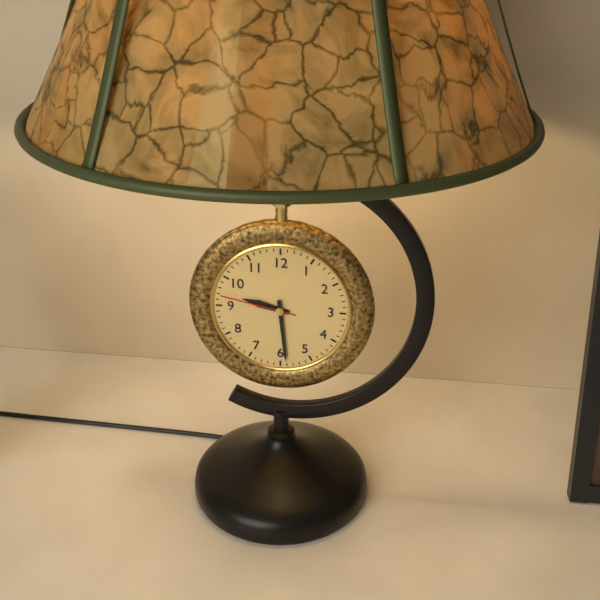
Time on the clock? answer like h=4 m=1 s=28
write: h=9 m=29 s=47
